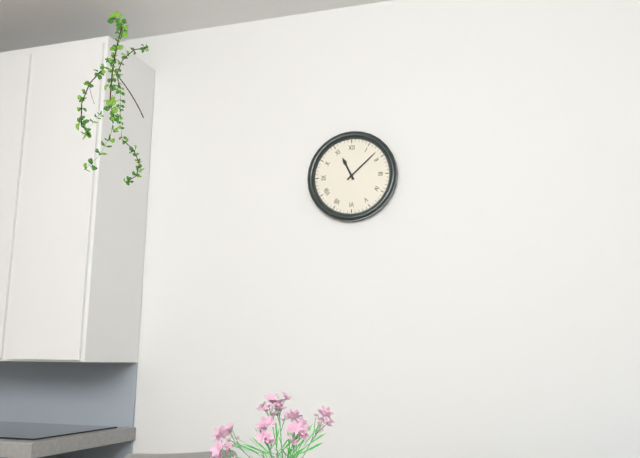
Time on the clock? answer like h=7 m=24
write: h=11 m=8
